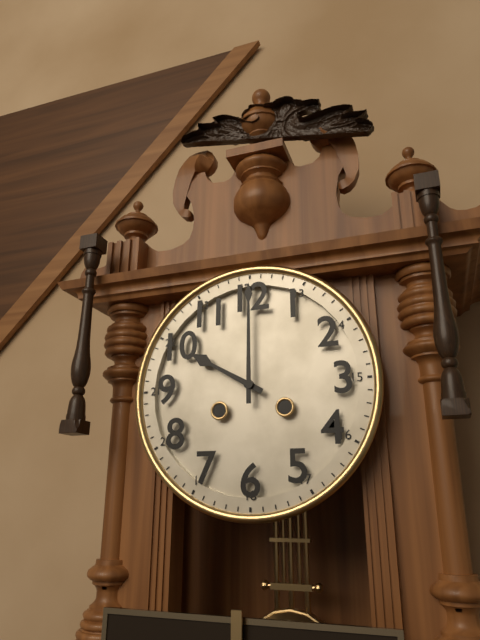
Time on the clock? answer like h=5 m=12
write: h=10 m=0
